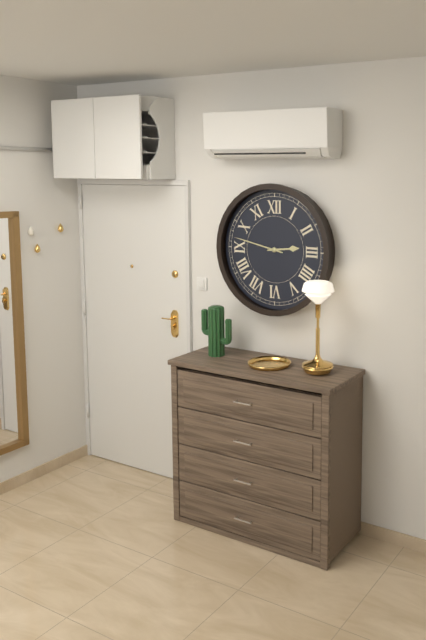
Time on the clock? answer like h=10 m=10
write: h=2 m=47
